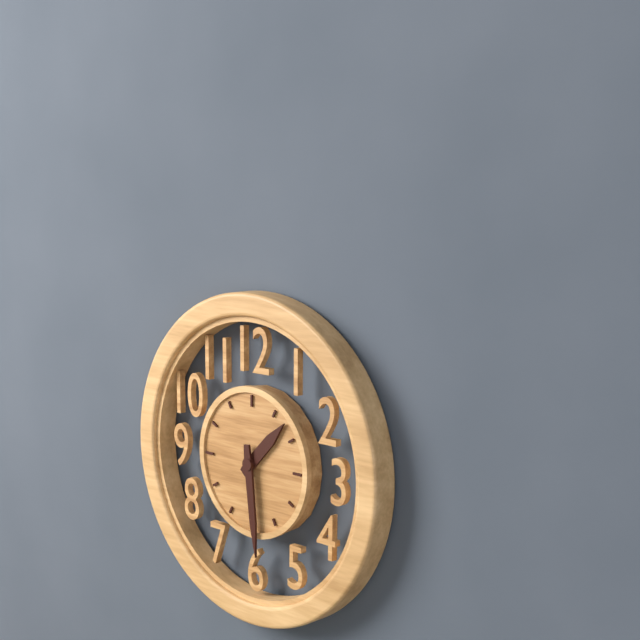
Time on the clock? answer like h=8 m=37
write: h=1 m=29
